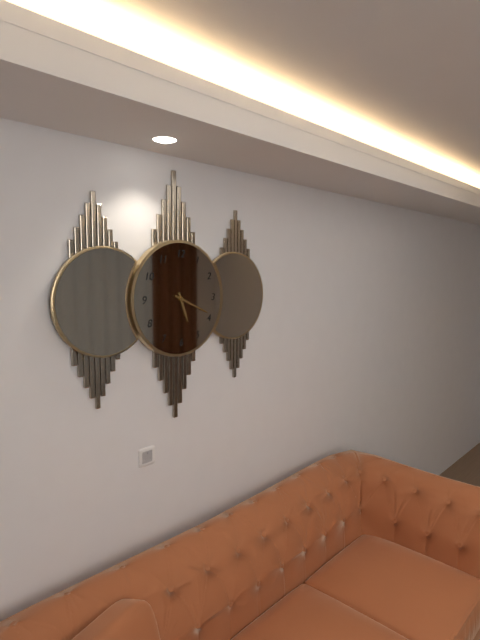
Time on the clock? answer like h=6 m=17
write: h=5 m=19
